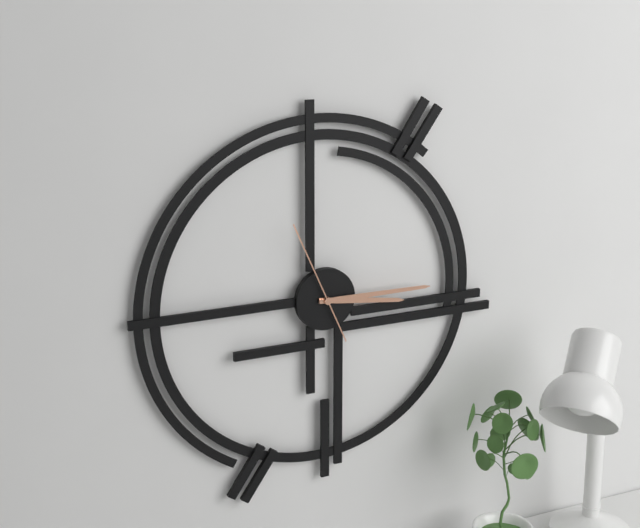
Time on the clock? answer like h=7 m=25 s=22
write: h=3 m=15 s=56
